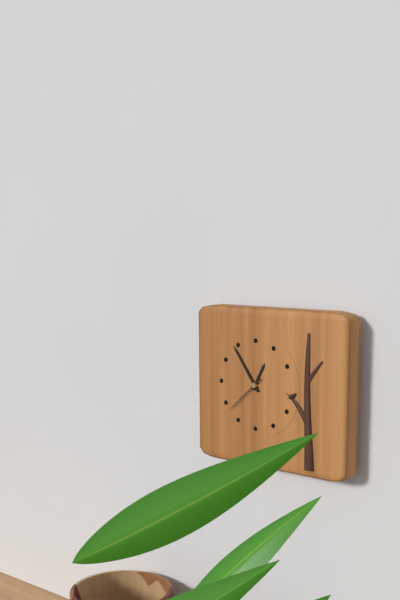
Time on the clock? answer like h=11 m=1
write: h=12 m=54
